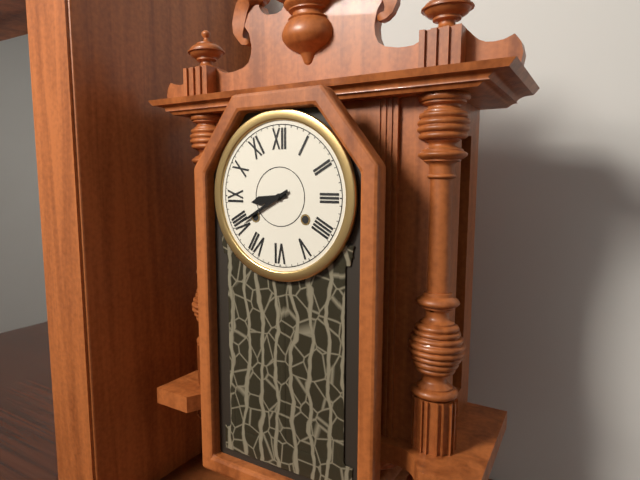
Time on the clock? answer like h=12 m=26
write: h=8 m=40
